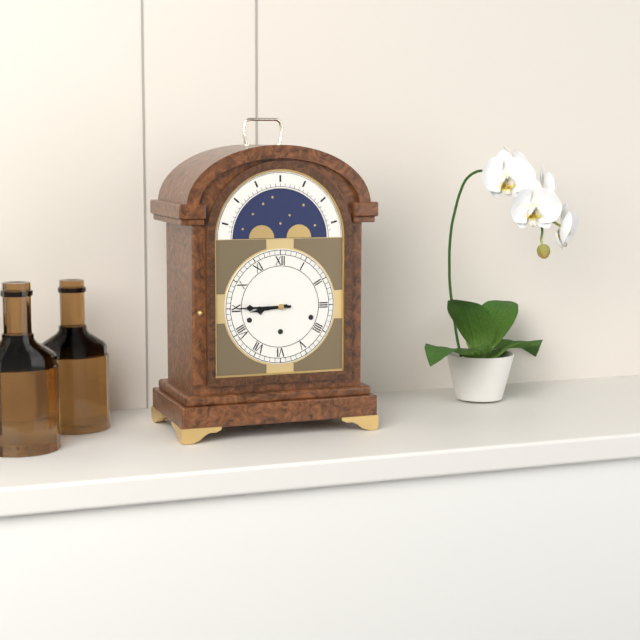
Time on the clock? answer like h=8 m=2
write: h=8 m=45
